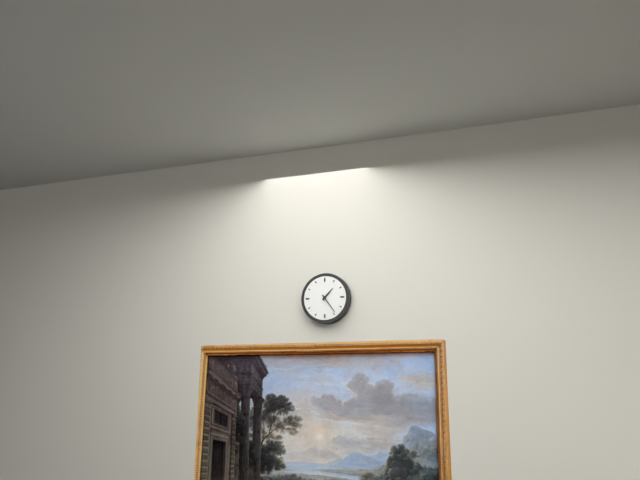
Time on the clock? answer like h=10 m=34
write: h=1 m=24
